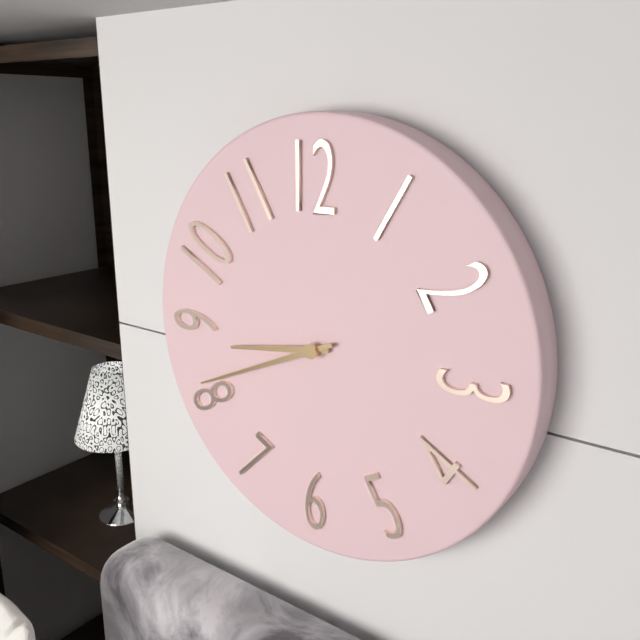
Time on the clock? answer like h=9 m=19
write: h=8 m=41
